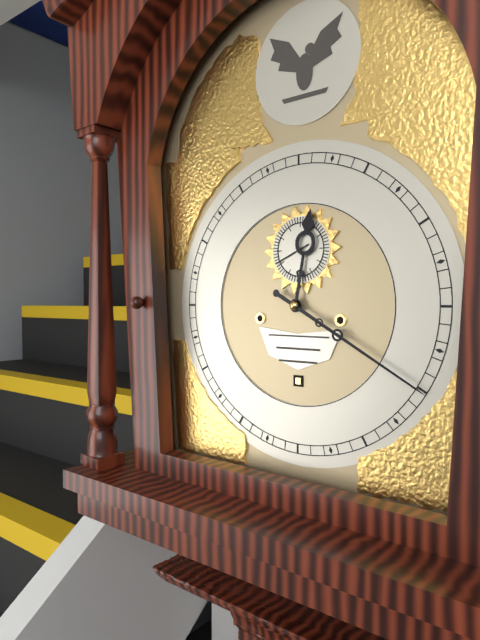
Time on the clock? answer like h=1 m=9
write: h=12 m=20
